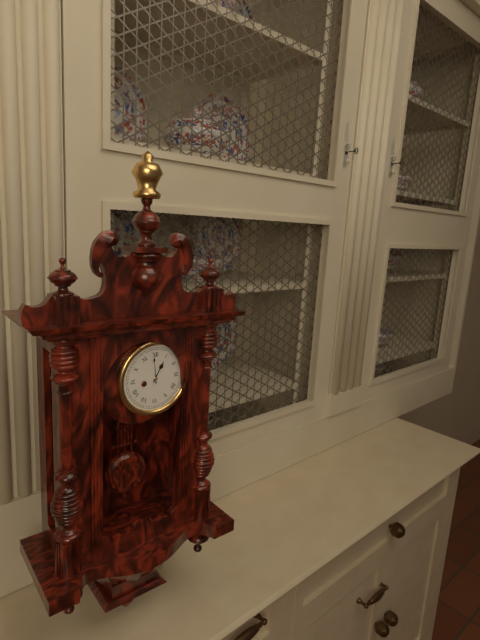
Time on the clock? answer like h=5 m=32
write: h=12 m=59
